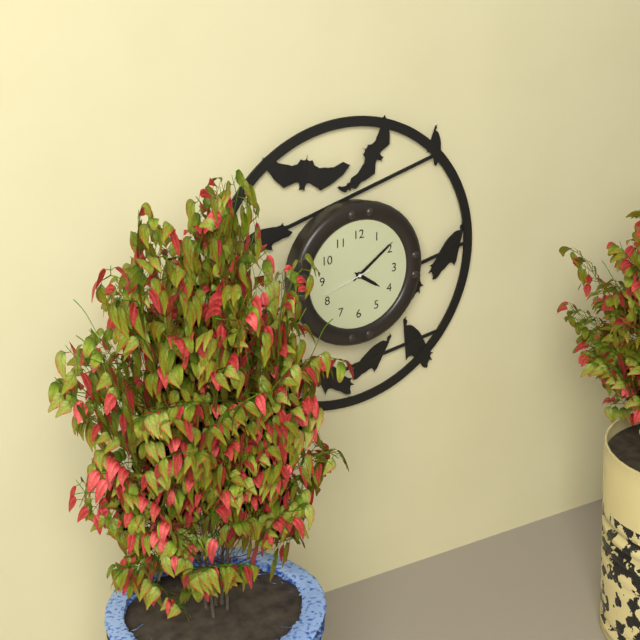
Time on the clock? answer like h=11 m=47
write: h=4 m=9
